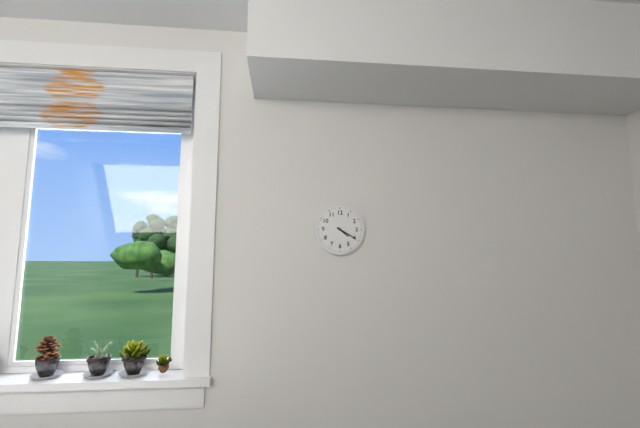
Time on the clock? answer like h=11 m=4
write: h=4 m=20
